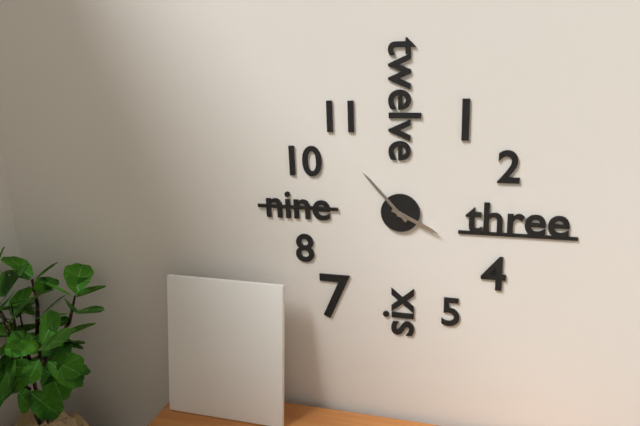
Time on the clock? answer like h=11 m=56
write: h=3 m=53
